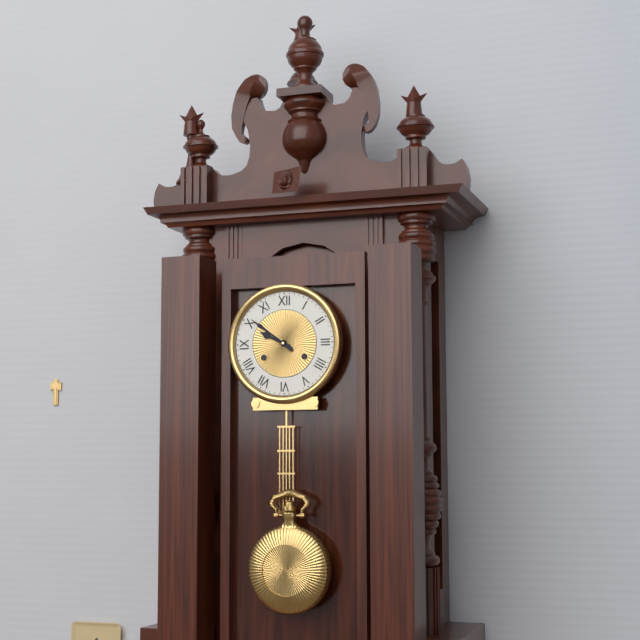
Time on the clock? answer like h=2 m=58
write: h=9 m=51
